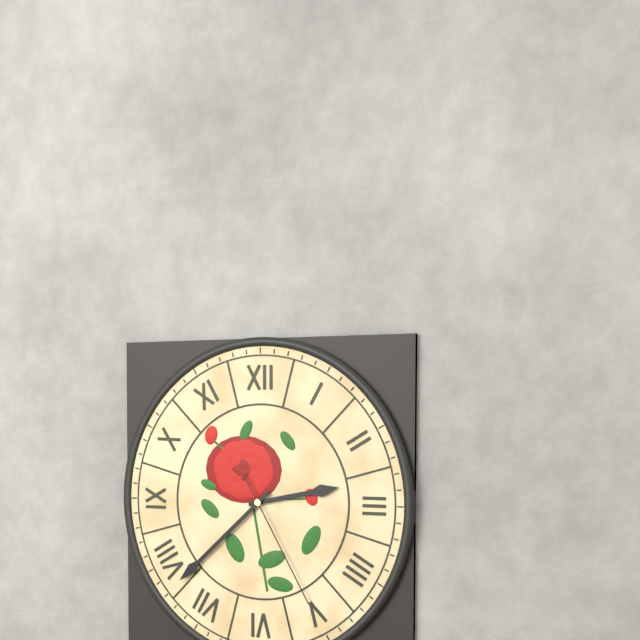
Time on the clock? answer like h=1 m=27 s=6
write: h=2 m=38 s=25
